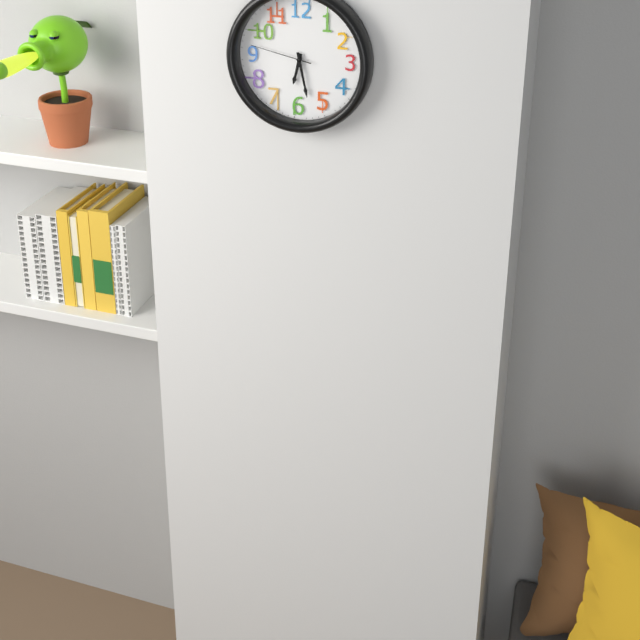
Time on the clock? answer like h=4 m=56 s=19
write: h=6 m=28 s=47
